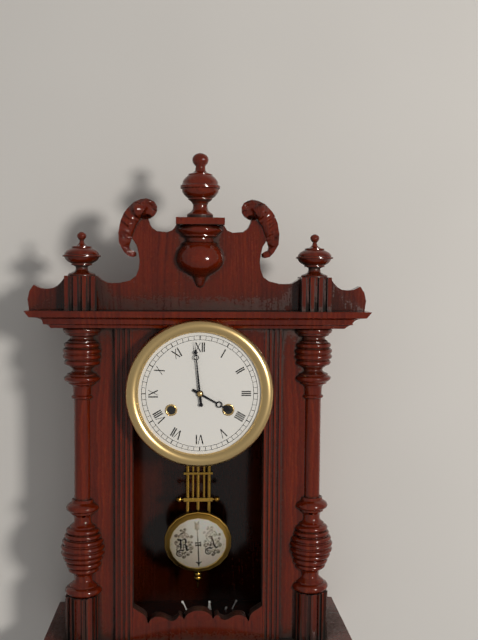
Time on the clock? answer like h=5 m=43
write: h=3 m=59
